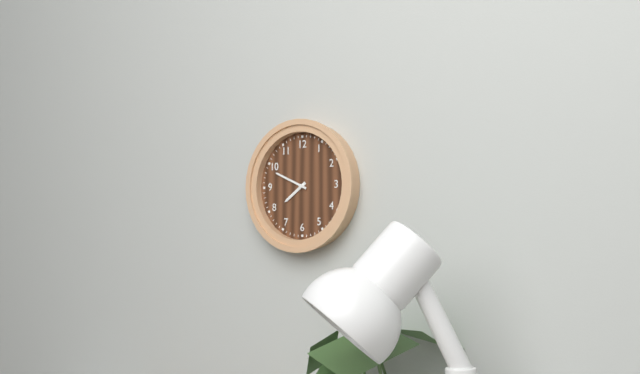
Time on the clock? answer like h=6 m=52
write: h=7 m=49
